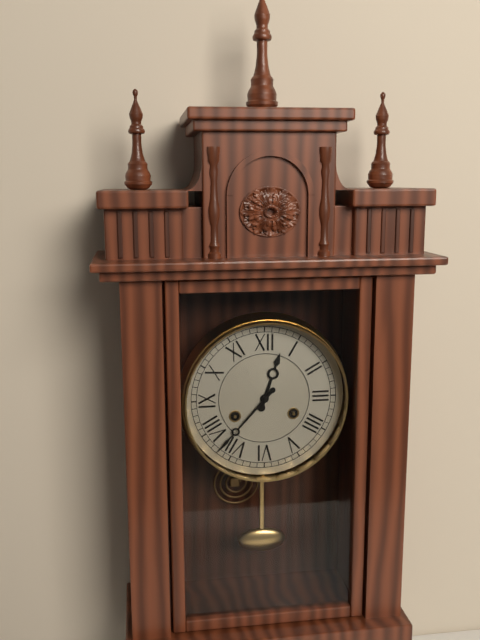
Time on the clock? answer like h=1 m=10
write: h=12 m=37
